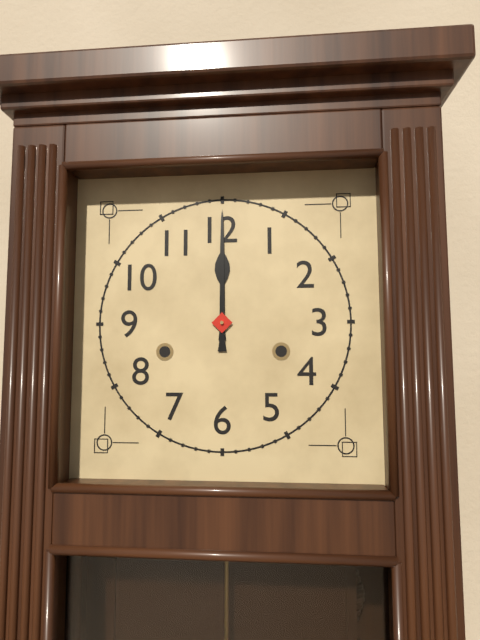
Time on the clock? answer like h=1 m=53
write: h=12 m=0
